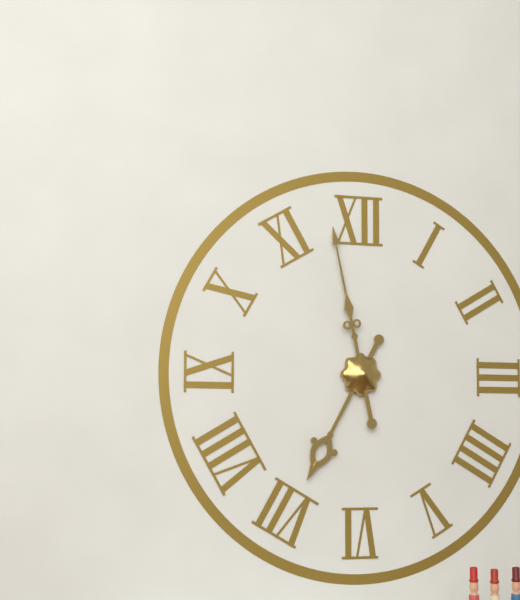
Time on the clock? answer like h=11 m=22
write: h=6 m=58
